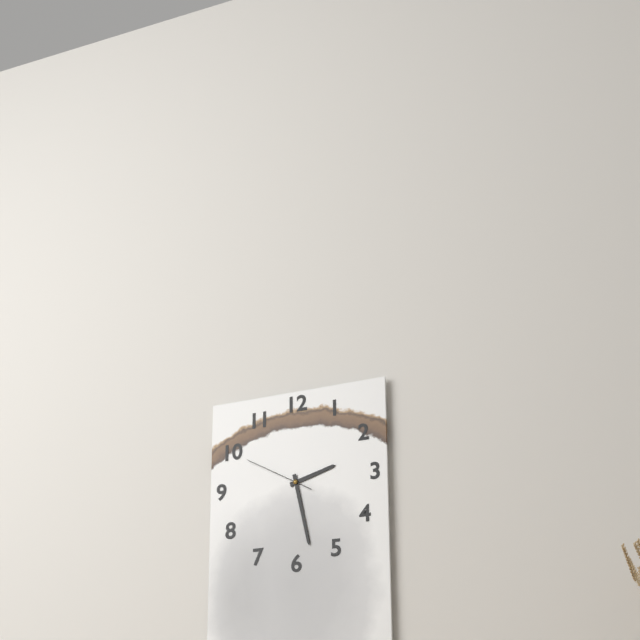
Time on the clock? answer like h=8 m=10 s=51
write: h=2 m=28 s=50
